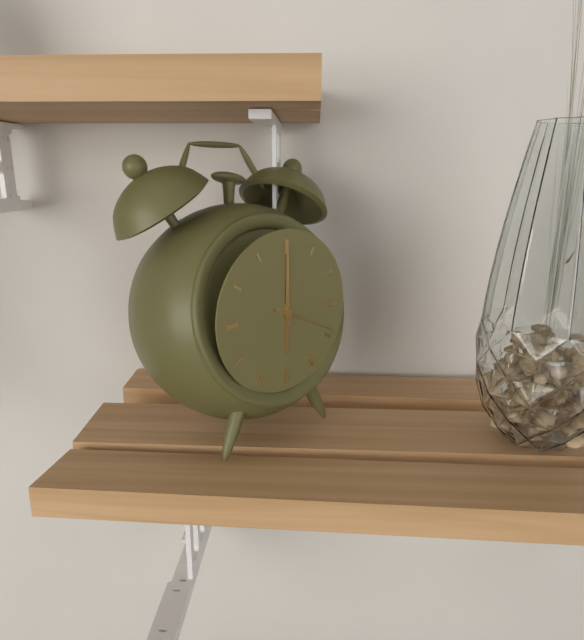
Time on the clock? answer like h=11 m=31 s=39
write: h=6 m=0 s=19
